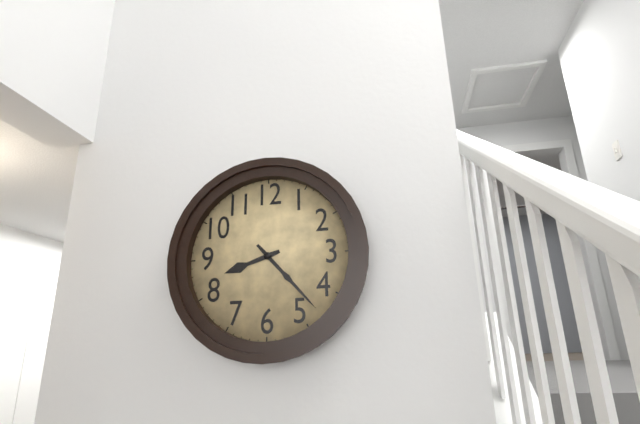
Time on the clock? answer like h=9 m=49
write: h=8 m=23
